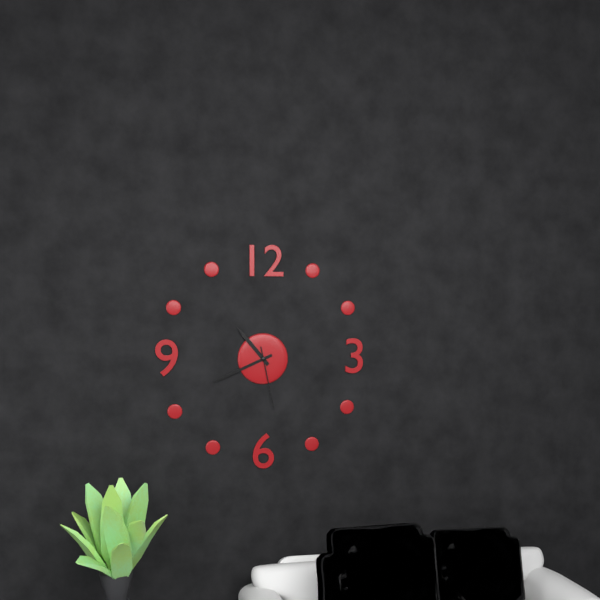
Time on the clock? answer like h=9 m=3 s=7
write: h=10 m=41 s=28
